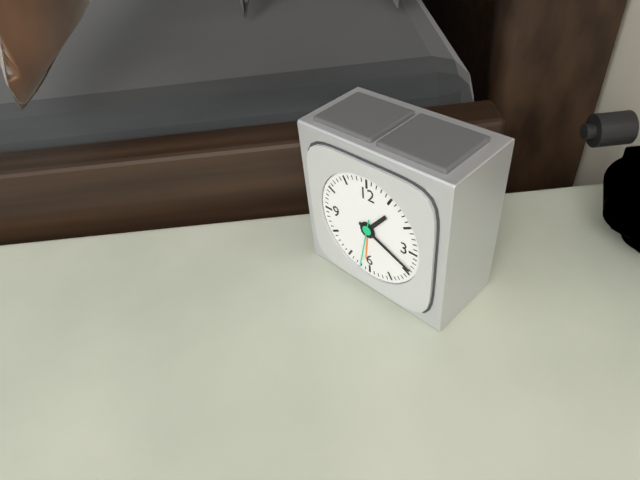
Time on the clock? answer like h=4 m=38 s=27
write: h=1 m=19 s=32
